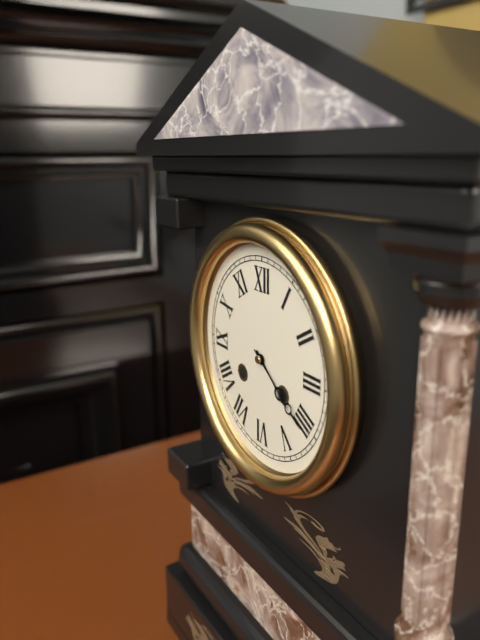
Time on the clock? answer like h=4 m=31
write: h=4 m=21
